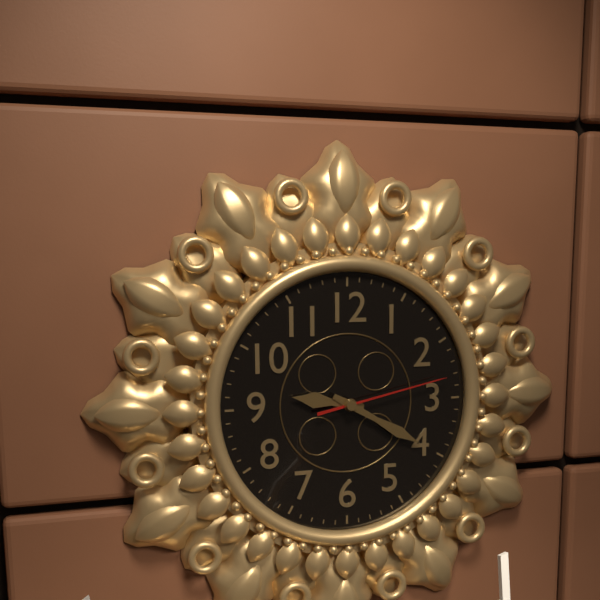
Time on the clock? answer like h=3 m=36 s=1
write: h=9 m=20 s=13
